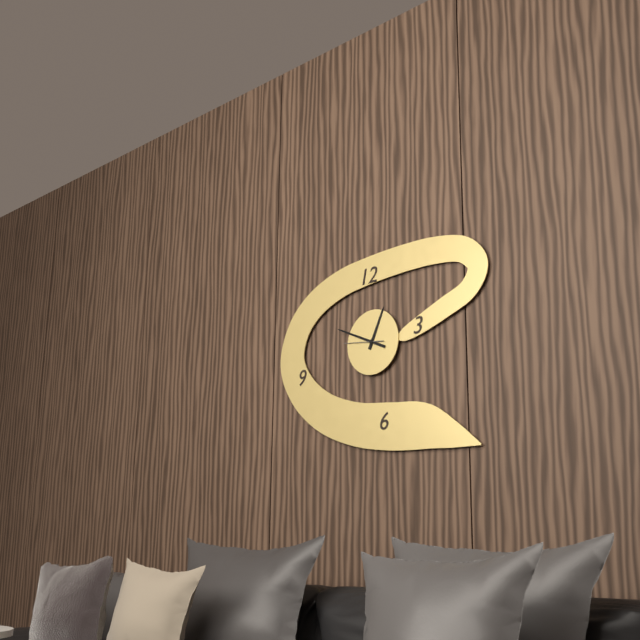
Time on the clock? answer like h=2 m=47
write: h=12 m=49
